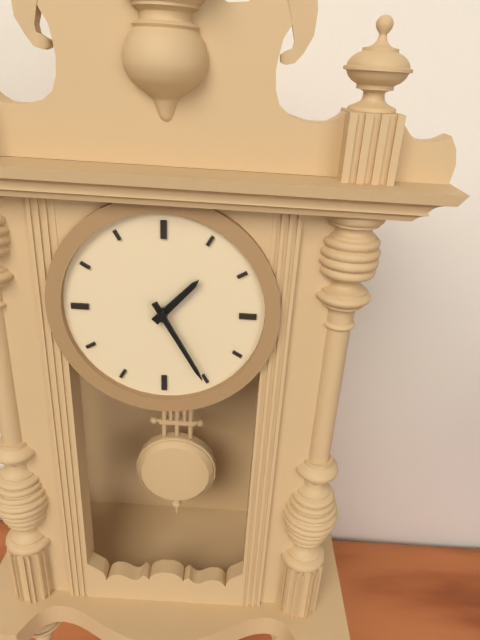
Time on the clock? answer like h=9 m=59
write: h=1 m=25
